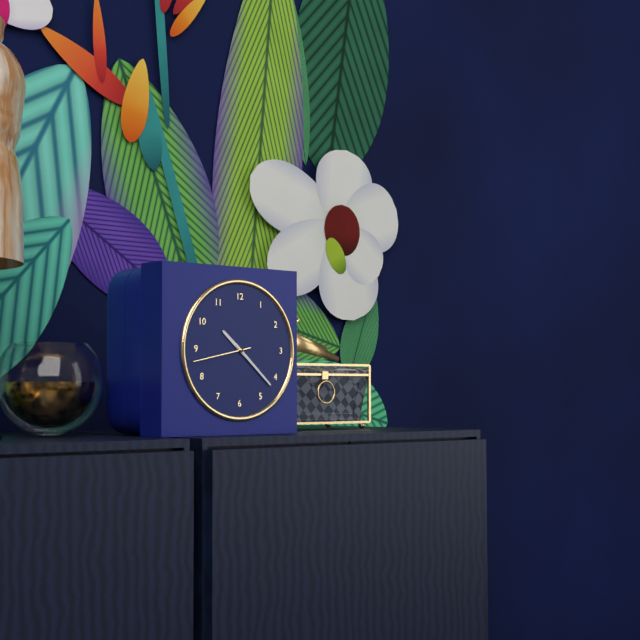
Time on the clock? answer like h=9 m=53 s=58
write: h=10 m=22 s=43
